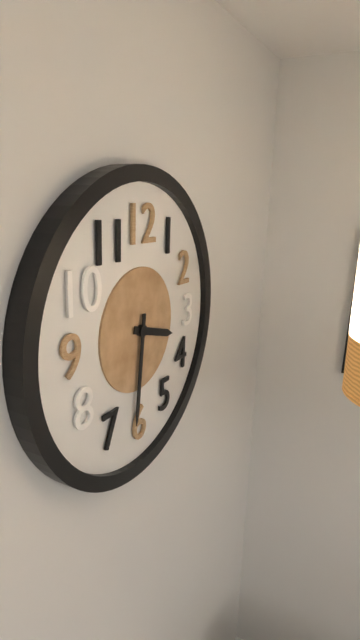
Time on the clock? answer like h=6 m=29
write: h=3 m=31
